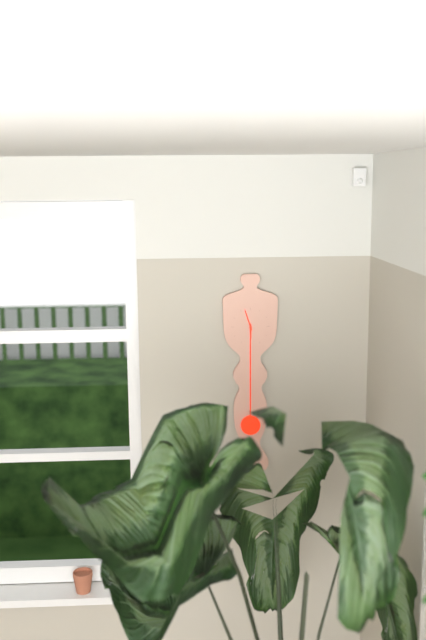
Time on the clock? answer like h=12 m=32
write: h=5 m=57
